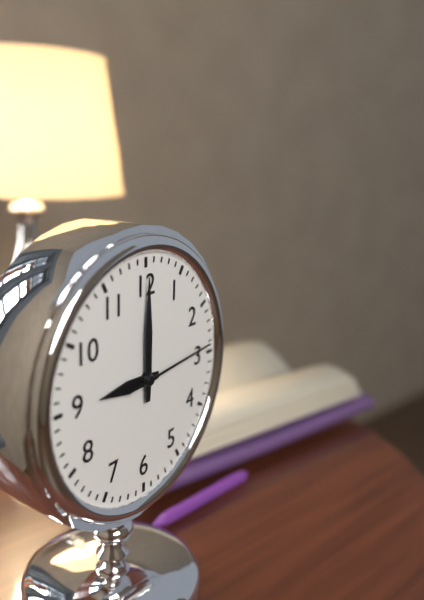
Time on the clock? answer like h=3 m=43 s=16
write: h=9 m=0 s=14
